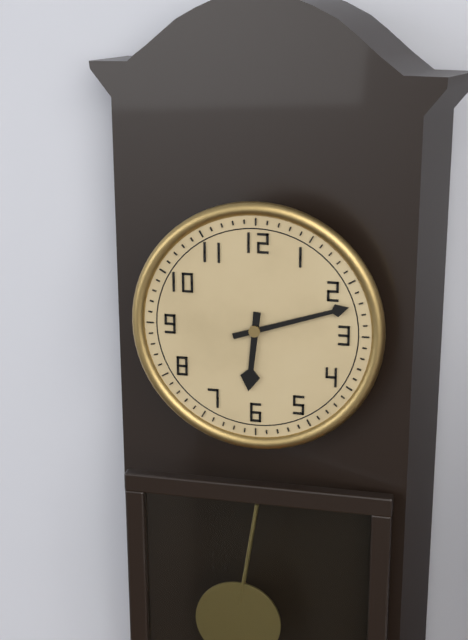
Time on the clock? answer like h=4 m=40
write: h=6 m=12
